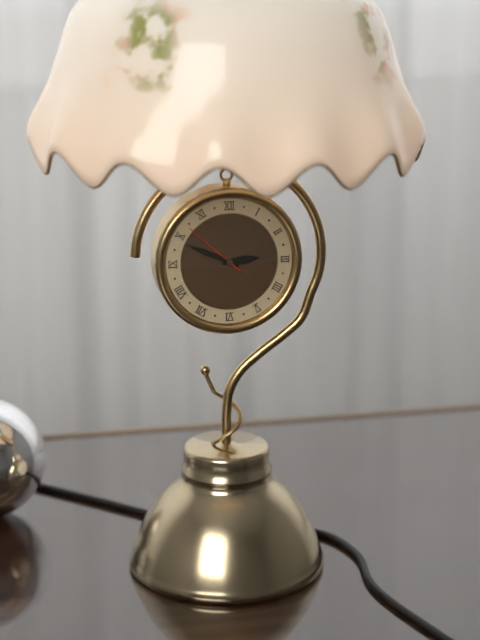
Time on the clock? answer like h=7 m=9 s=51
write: h=2 m=49 s=52
